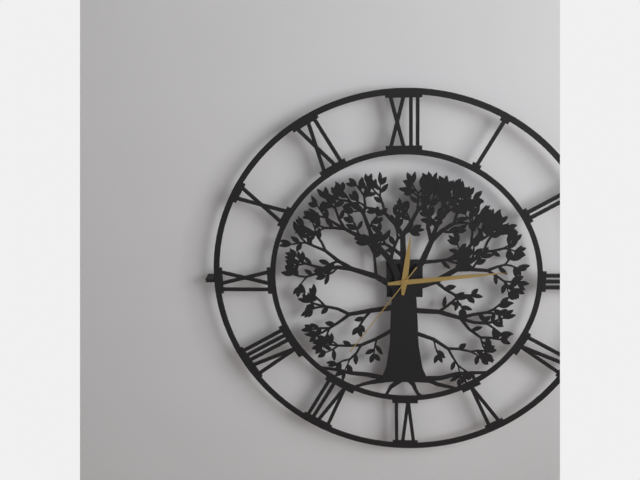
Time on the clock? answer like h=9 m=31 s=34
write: h=12 m=14 s=36
